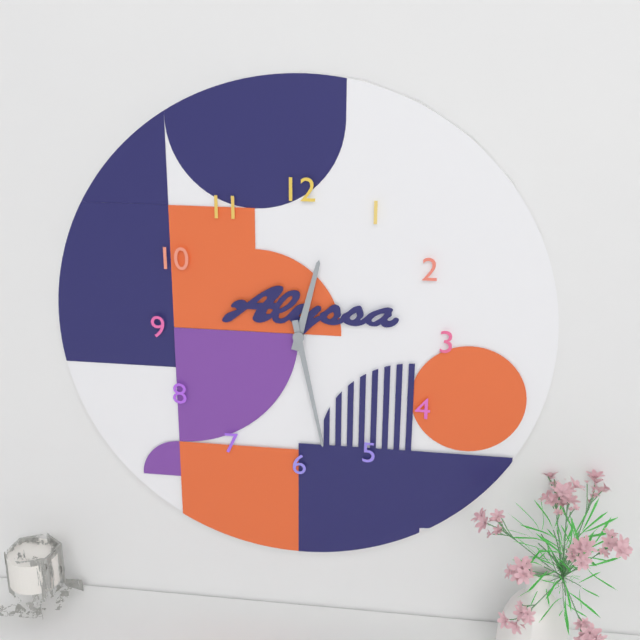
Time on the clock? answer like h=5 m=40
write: h=12 m=28
